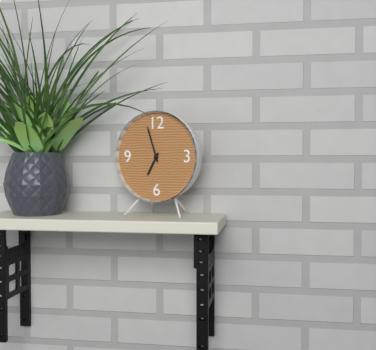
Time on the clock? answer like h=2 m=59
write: h=6 m=57
